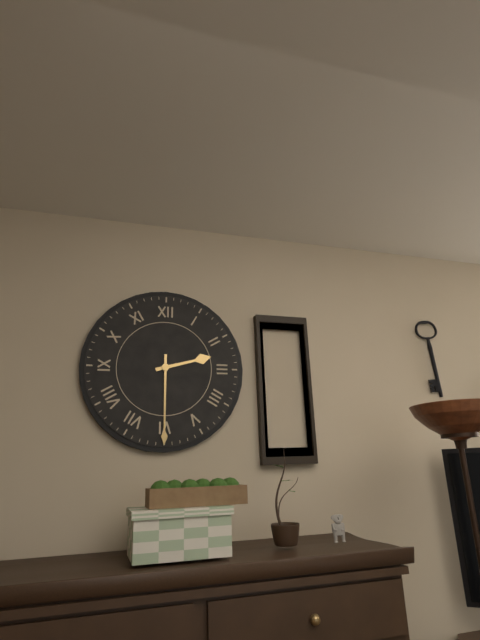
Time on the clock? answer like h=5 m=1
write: h=2 m=30
